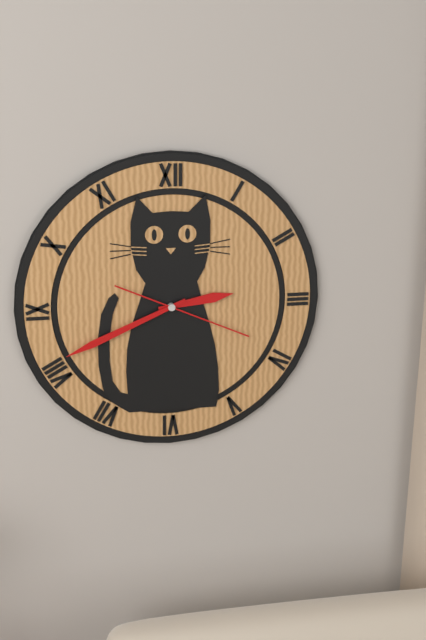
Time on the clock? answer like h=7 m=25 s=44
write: h=2 m=41 s=19
